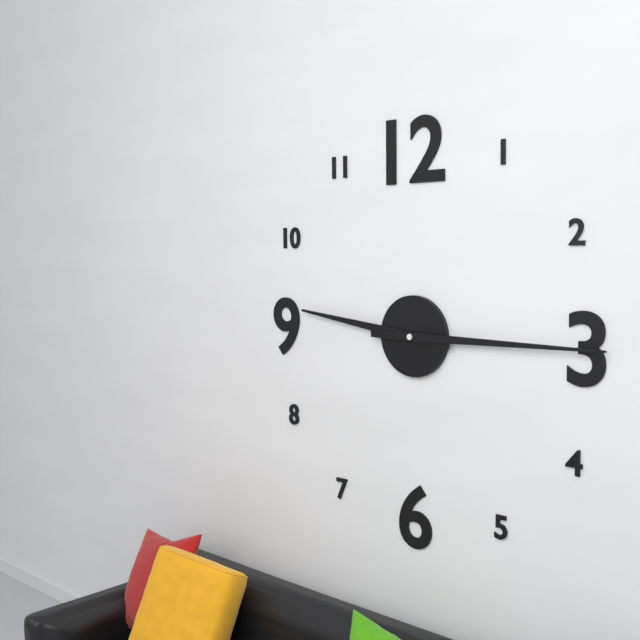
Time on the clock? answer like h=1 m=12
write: h=9 m=15
